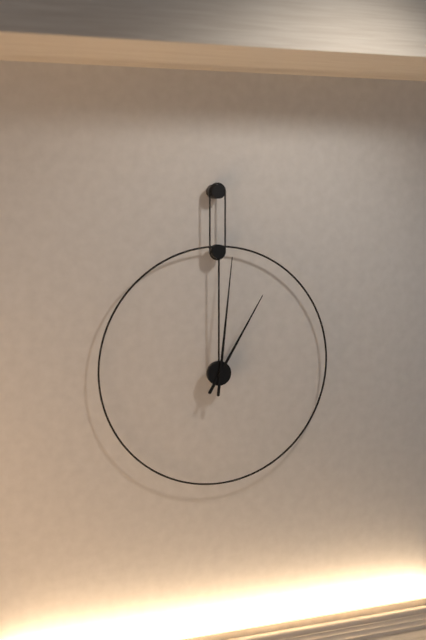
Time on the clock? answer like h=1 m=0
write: h=1 m=1
